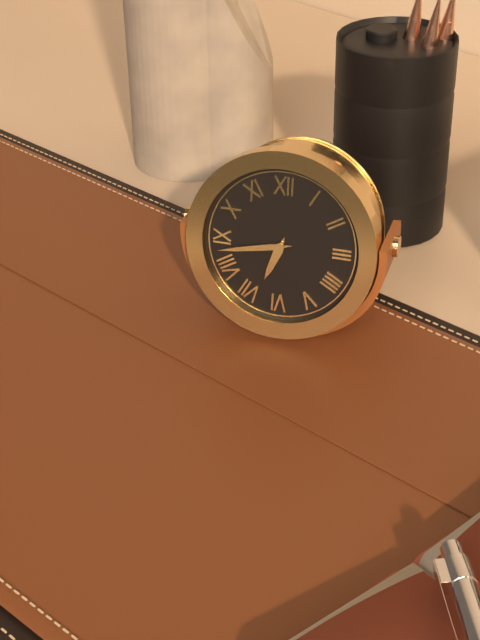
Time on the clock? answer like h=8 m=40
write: h=6 m=43
